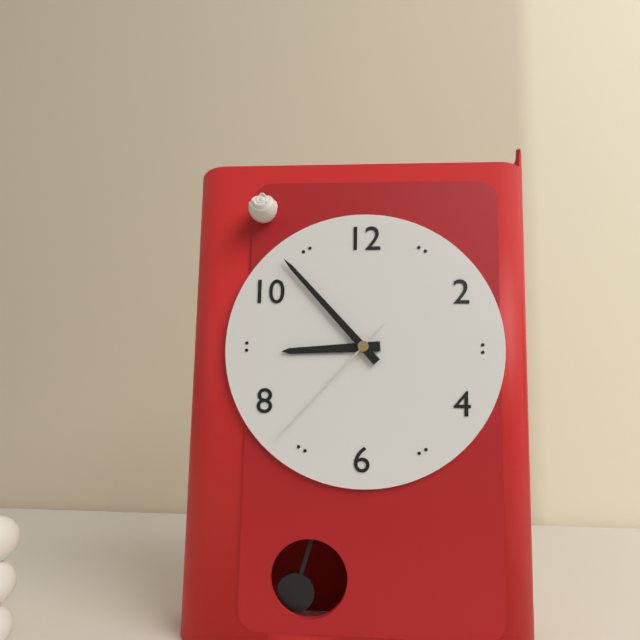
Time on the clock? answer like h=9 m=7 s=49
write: h=8 m=53 s=37
